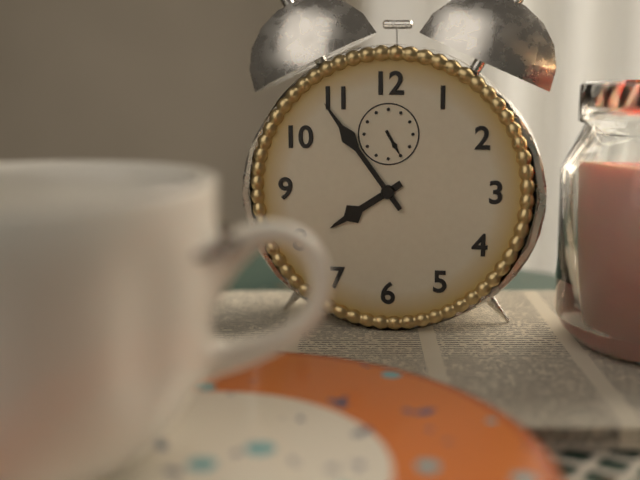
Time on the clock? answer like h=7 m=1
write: h=7 m=54
